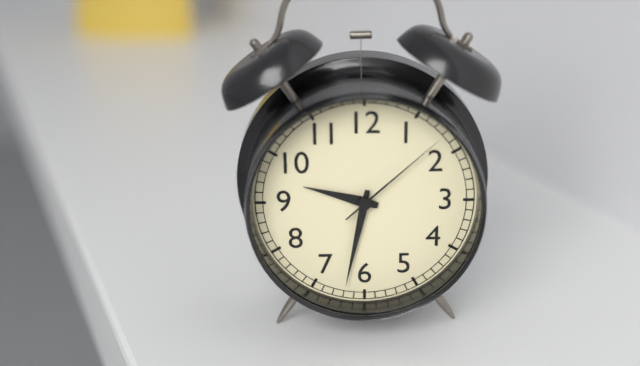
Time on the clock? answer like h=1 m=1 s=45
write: h=9 m=32 s=8
